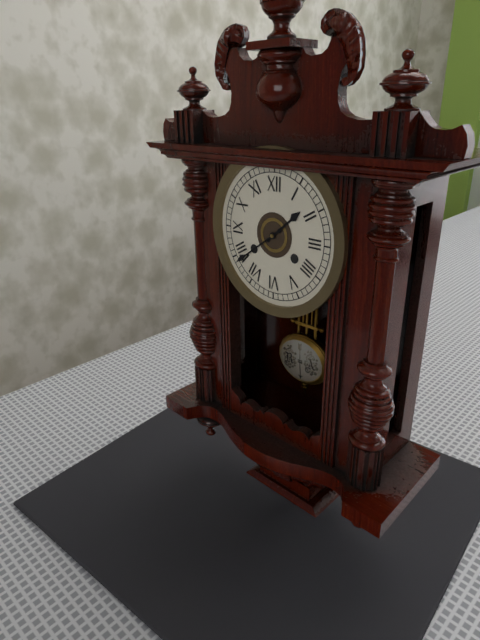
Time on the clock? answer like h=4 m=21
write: h=1 m=39
